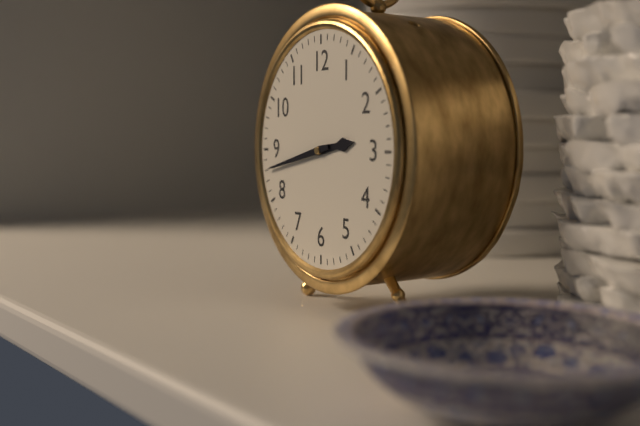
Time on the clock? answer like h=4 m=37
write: h=2 m=43
